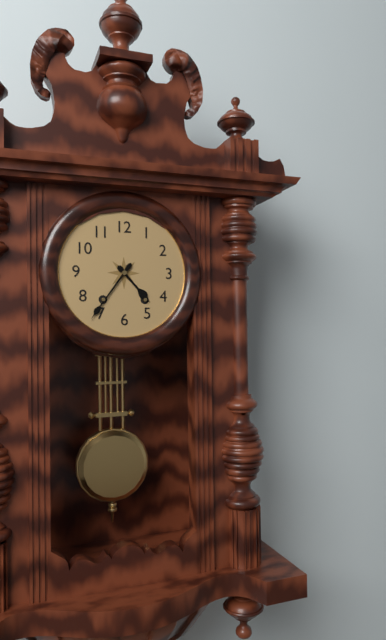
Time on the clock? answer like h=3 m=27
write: h=4 m=36
